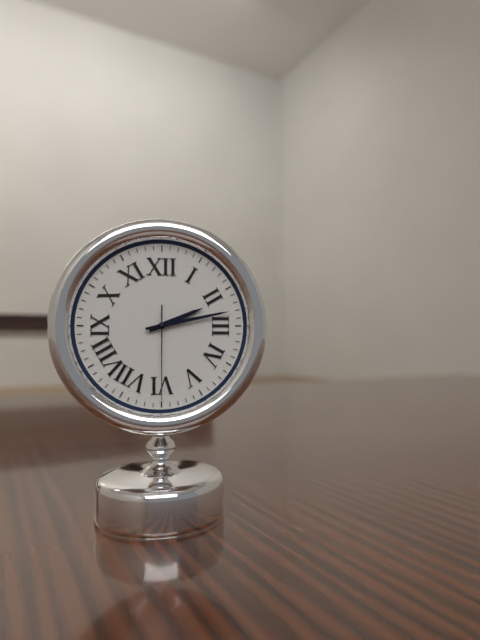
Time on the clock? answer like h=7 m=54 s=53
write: h=2 m=13 s=30
